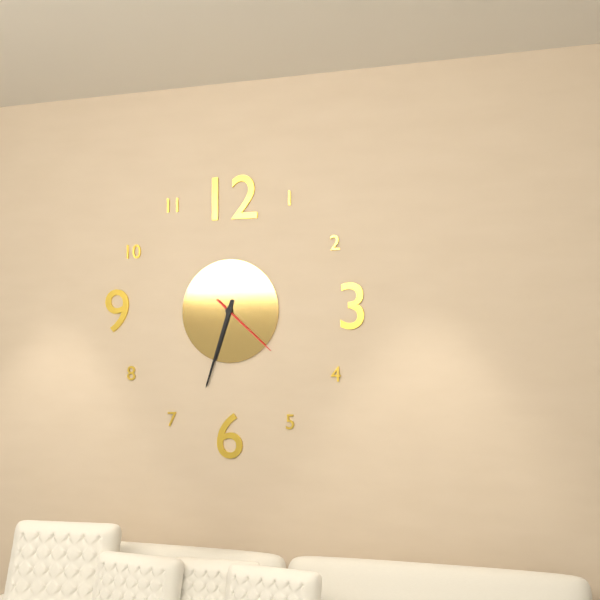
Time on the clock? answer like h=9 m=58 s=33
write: h=6 m=33 s=22
